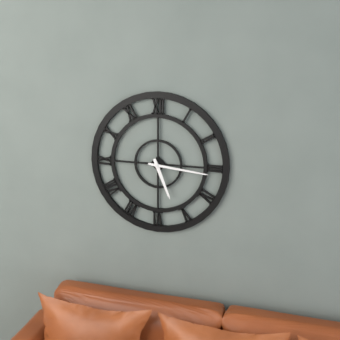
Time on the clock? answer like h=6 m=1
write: h=5 m=16
